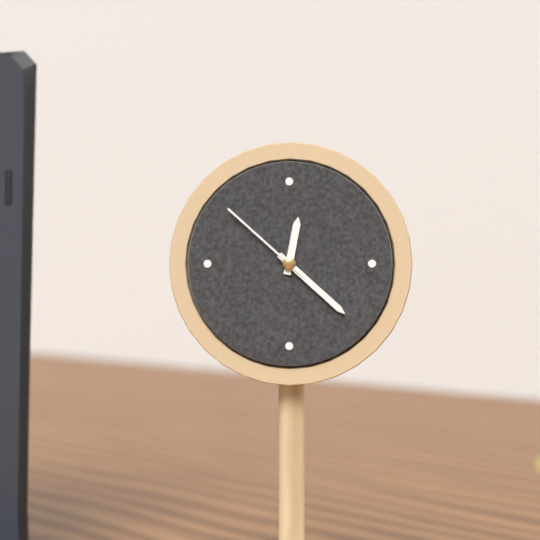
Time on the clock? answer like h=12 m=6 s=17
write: h=12 m=22 s=52
